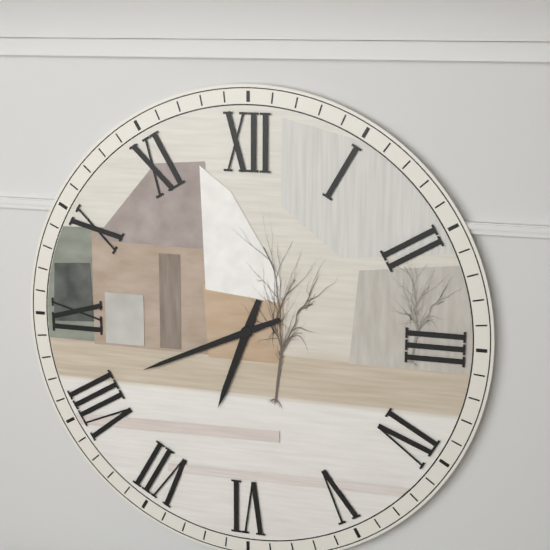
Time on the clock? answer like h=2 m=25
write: h=6 m=41
